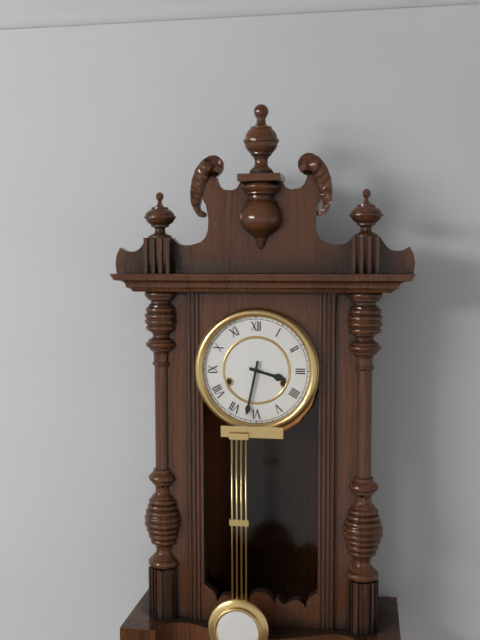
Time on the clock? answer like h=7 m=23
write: h=3 m=32
